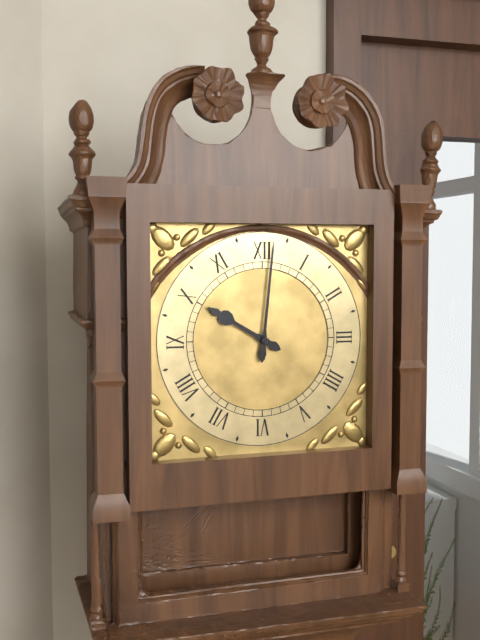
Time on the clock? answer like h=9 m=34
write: h=10 m=1
